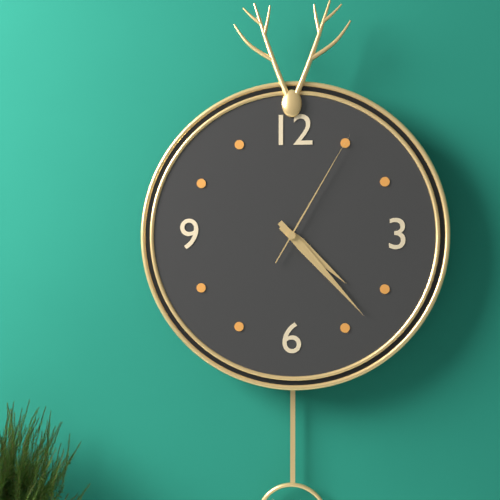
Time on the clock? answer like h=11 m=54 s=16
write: h=4 m=23 s=5
